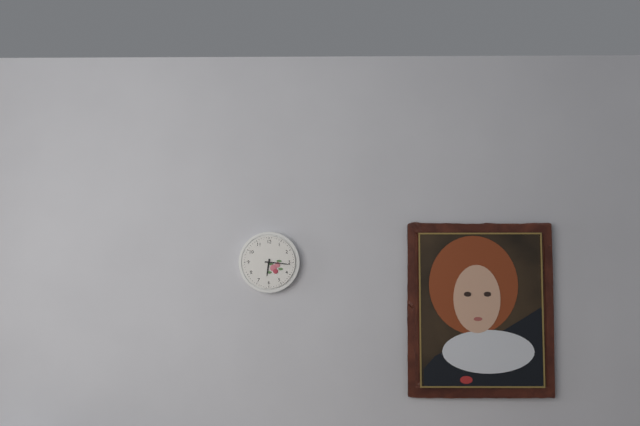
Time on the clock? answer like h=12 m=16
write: h=6 m=16
